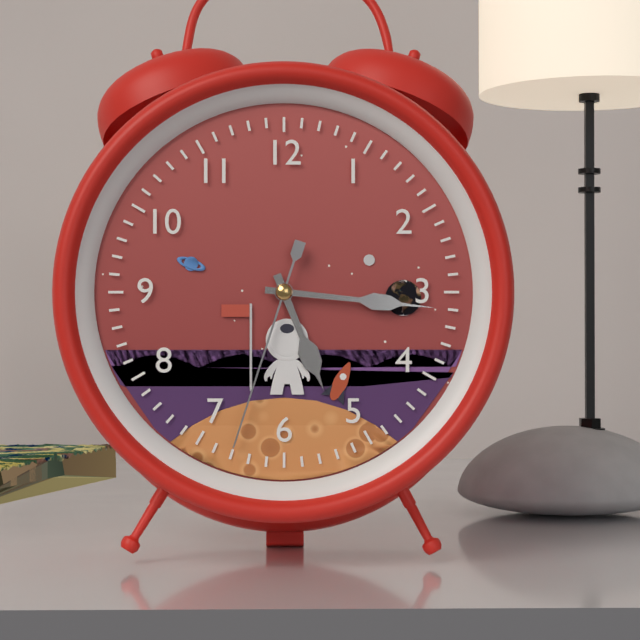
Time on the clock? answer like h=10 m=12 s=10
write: h=5 m=16 s=33
